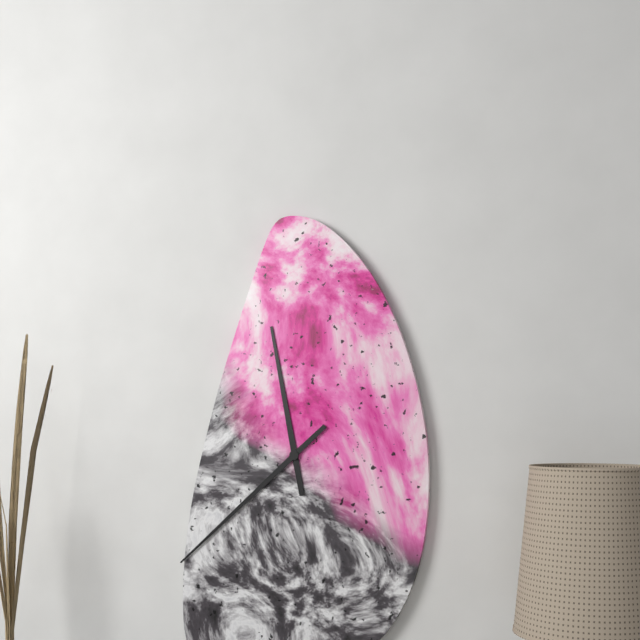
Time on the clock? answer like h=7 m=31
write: h=11 m=38
